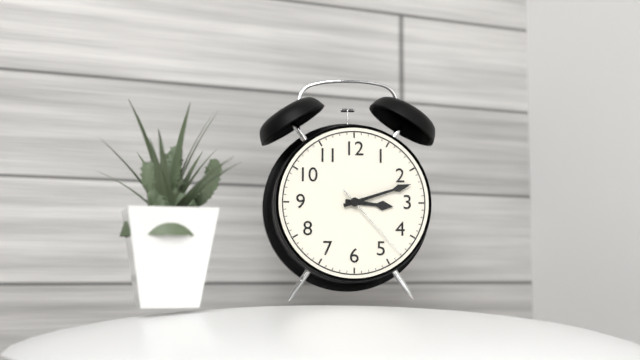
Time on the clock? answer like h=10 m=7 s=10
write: h=3 m=12 s=23
